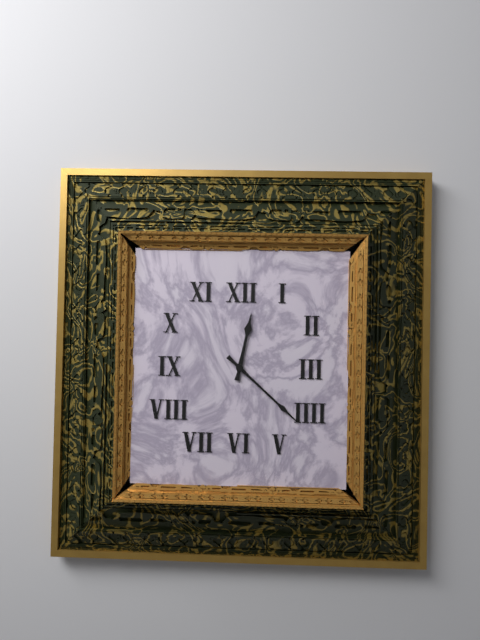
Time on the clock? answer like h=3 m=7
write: h=12 m=22
